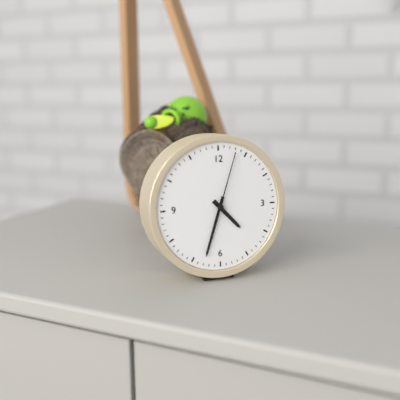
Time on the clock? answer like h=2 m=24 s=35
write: h=4 m=33 s=3
